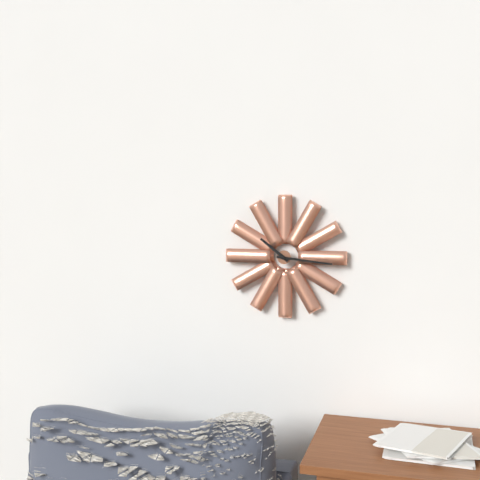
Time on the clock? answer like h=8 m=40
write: h=10 m=16
